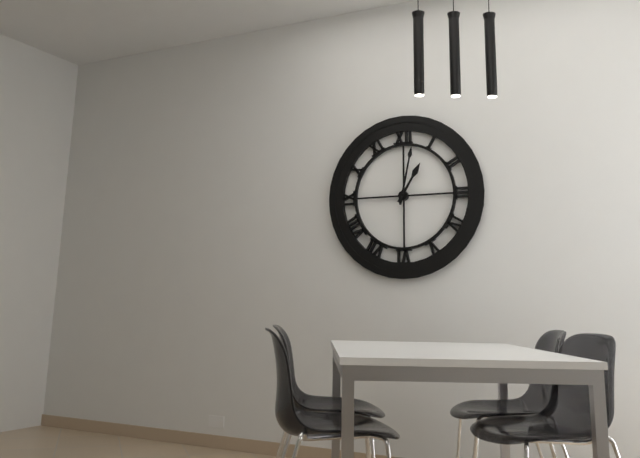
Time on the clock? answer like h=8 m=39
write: h=1 m=2
